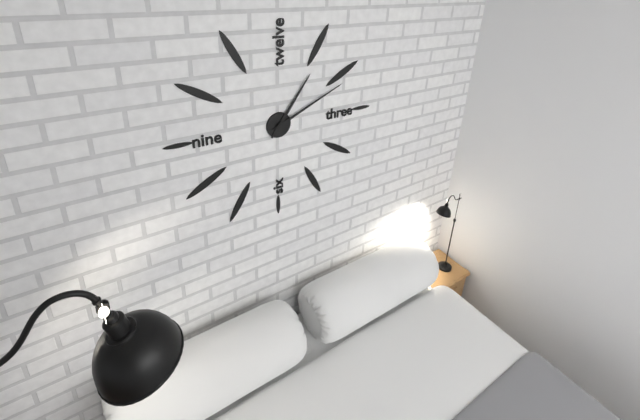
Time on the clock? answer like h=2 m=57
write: h=1 m=11
